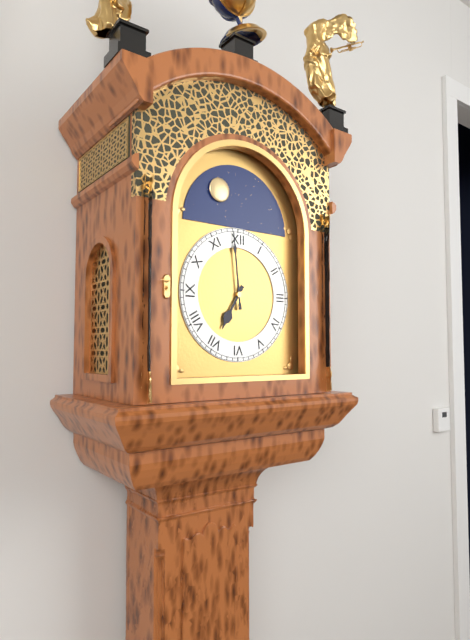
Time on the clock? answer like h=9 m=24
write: h=6 m=59
